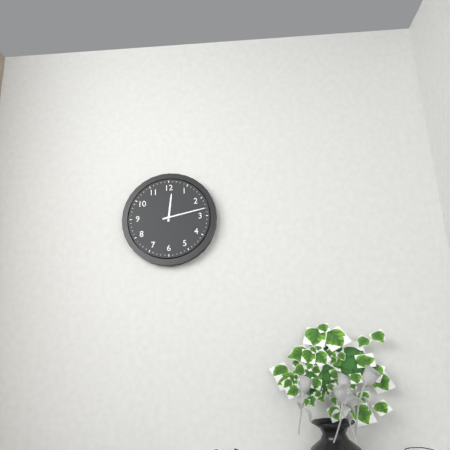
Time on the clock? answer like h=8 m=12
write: h=12 m=13
